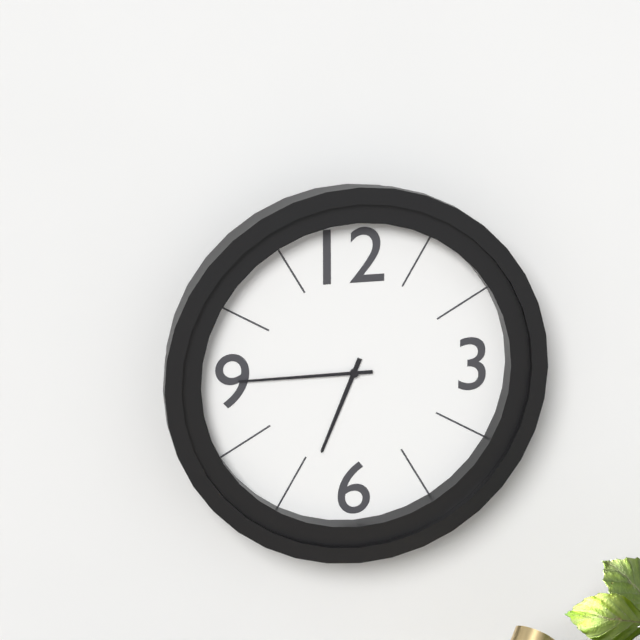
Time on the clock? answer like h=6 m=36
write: h=6 m=45
